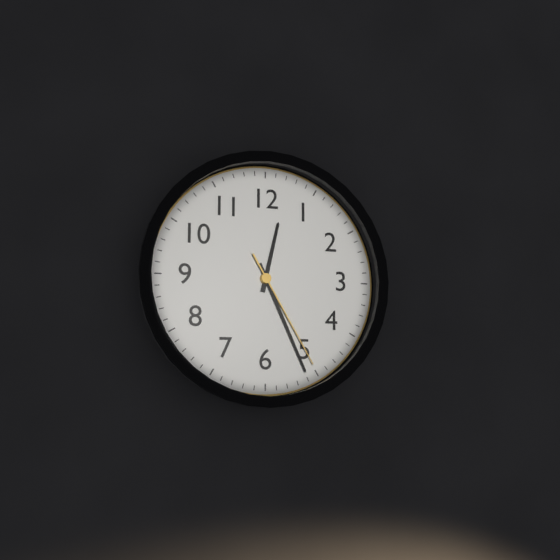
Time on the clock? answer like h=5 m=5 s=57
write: h=12 m=26 s=25
